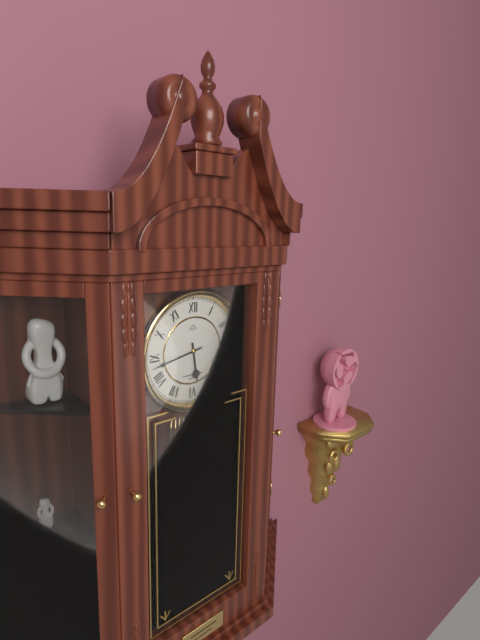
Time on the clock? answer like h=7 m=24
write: h=5 m=43
